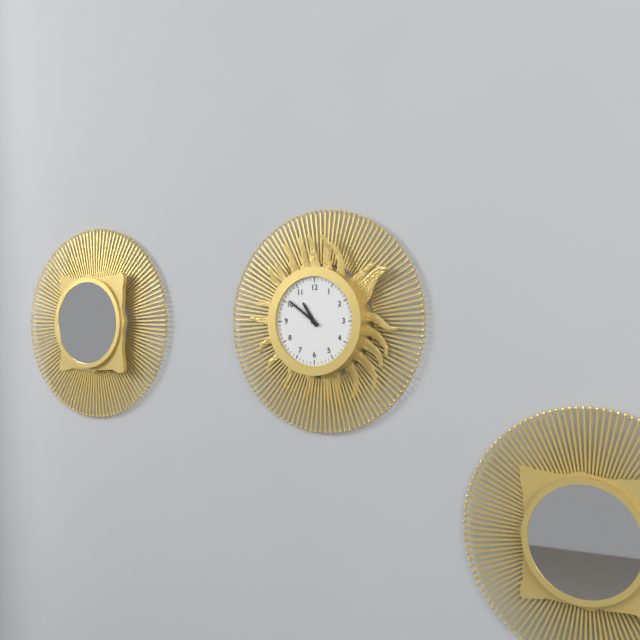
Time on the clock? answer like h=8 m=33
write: h=10 m=51
